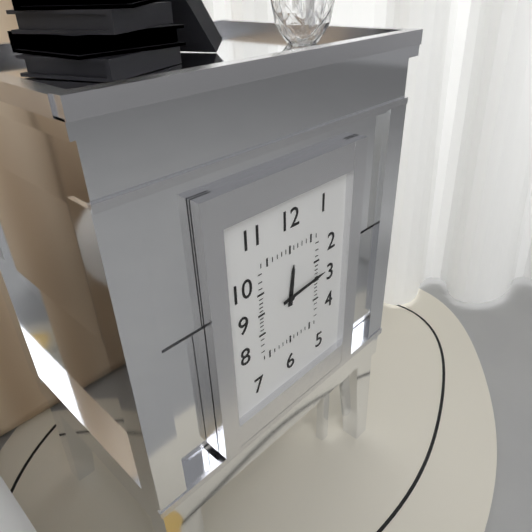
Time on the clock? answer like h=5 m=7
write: h=12 m=14
